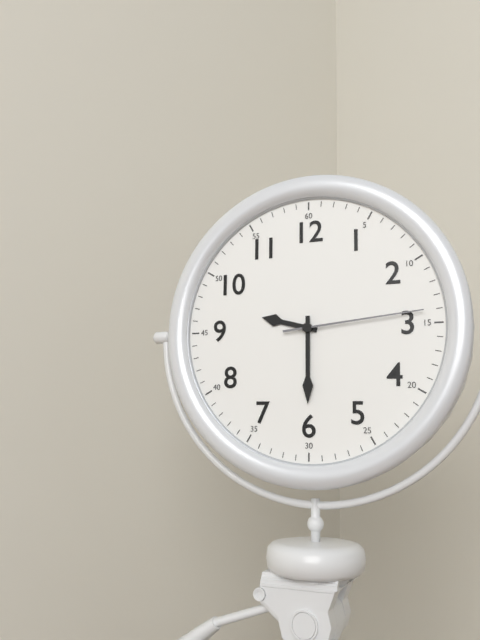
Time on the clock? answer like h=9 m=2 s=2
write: h=9 m=30 s=14
